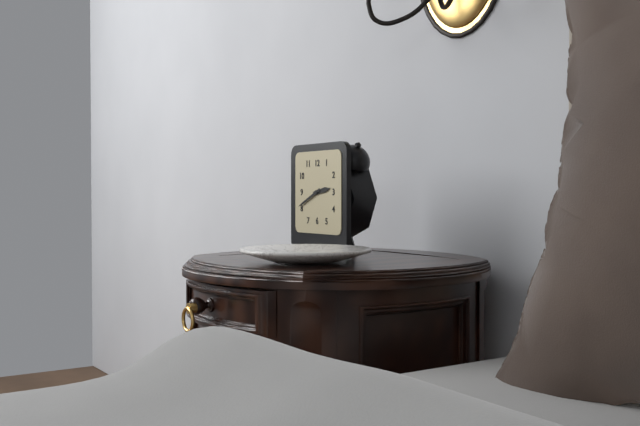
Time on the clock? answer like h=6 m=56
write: h=2 m=41
